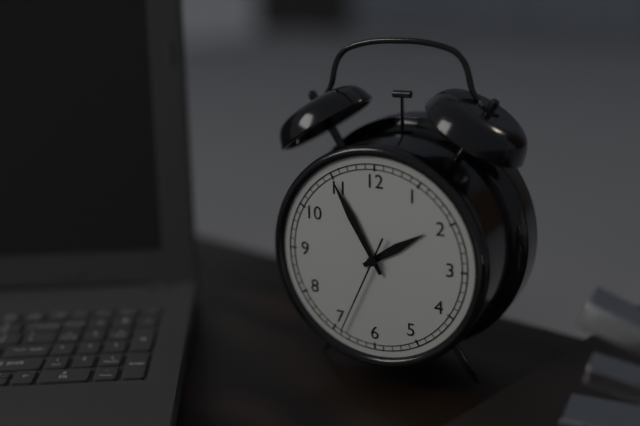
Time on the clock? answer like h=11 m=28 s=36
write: h=1 m=55 s=34
